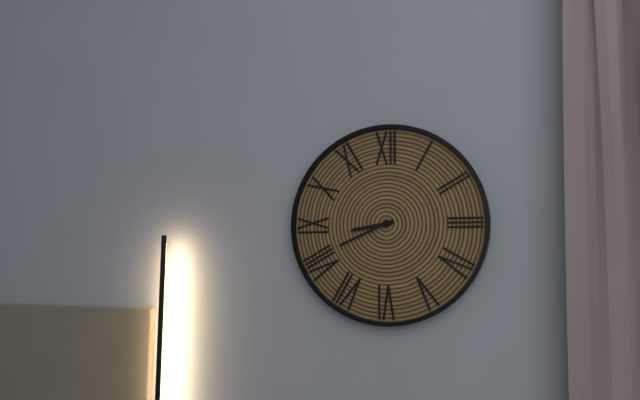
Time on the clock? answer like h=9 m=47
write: h=8 m=41
